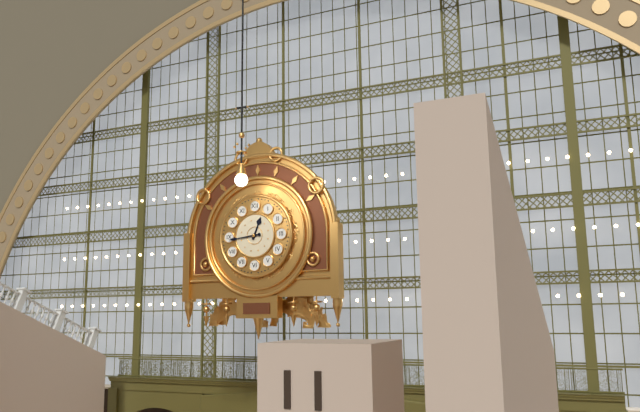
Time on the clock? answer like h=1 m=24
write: h=12 m=44
